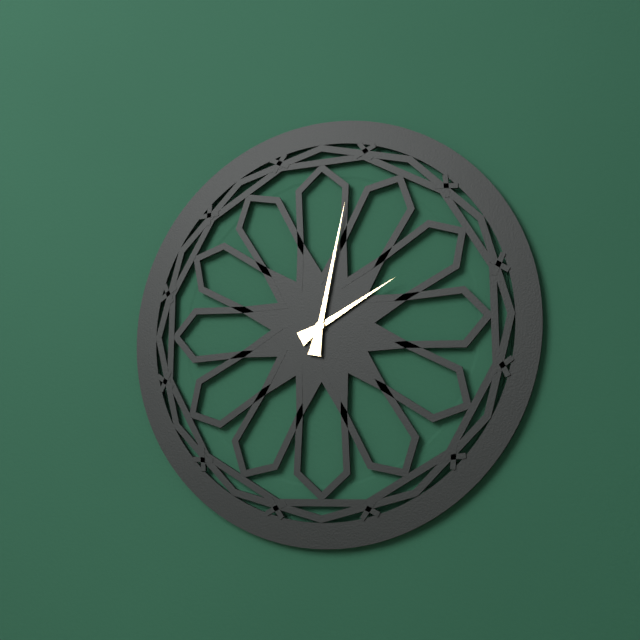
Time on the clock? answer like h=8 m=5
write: h=2 m=2
